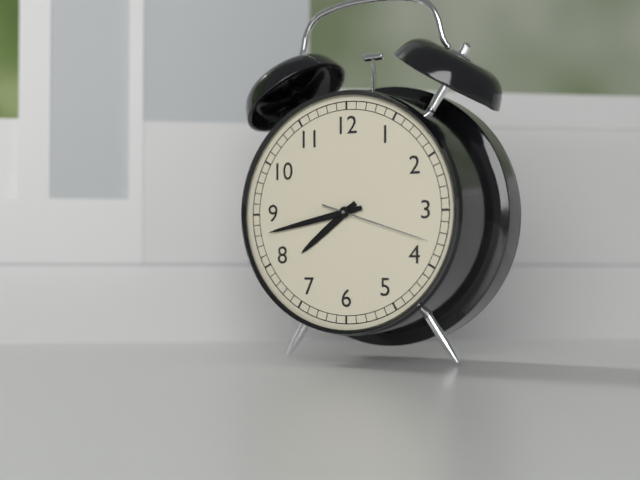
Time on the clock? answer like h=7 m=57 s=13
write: h=7 m=43 s=18
